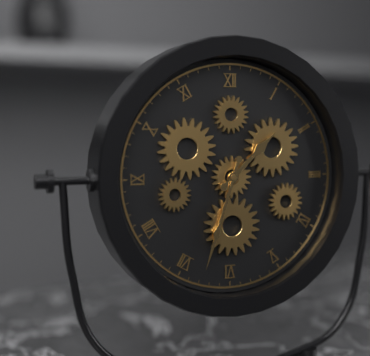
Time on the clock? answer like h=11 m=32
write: h=1 m=33
